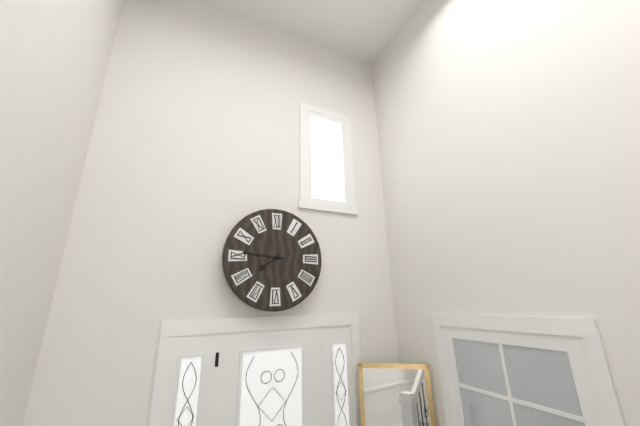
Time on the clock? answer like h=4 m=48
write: h=7 m=46
